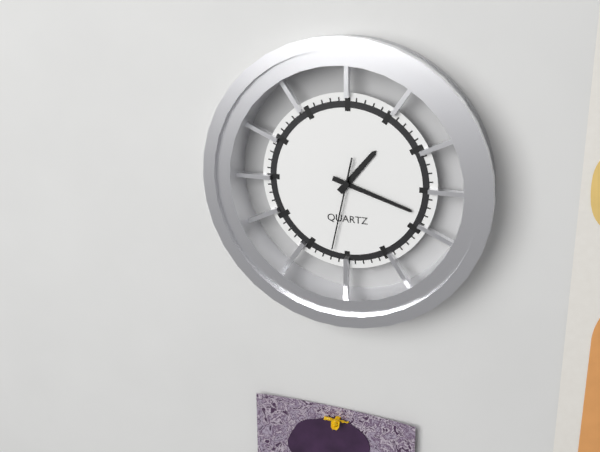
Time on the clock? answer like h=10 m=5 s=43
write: h=1 m=18 s=32
